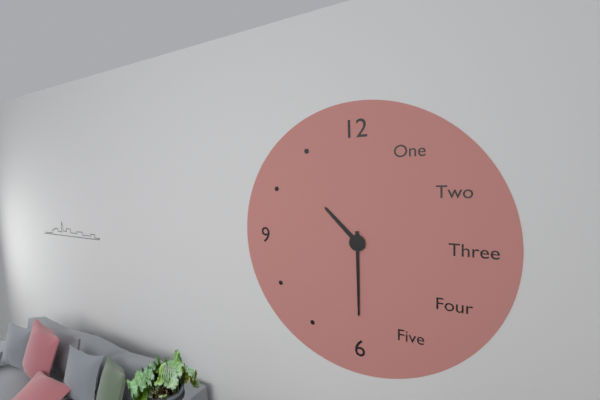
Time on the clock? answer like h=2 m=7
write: h=10 m=30
